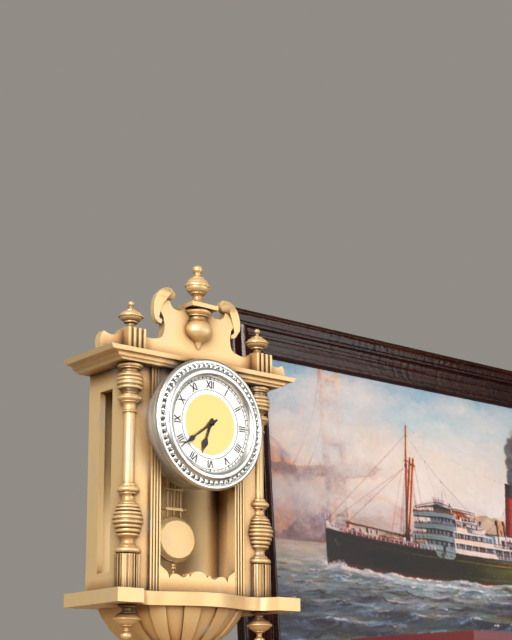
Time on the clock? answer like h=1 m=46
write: h=6 m=39
